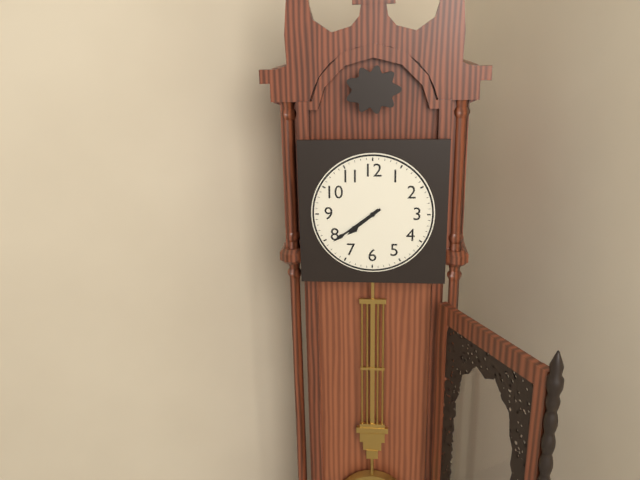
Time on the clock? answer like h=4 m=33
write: h=7 m=39
